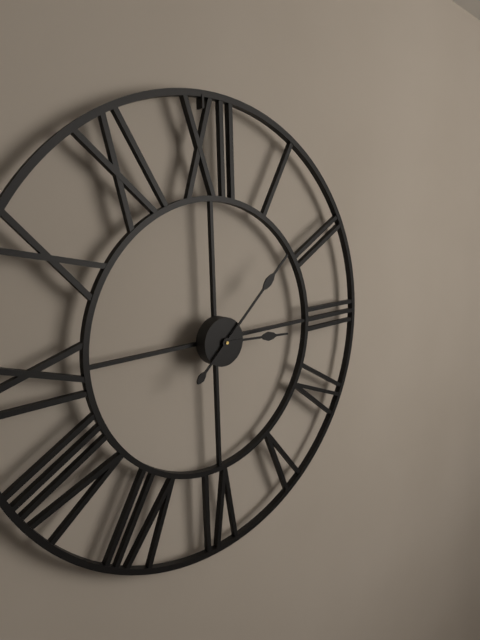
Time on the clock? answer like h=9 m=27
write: h=3 m=8
